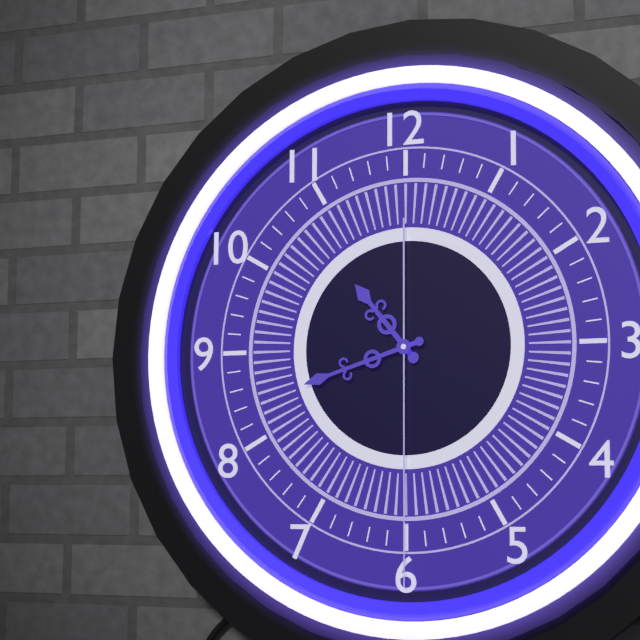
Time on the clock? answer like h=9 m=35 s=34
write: h=10 m=42 s=30
